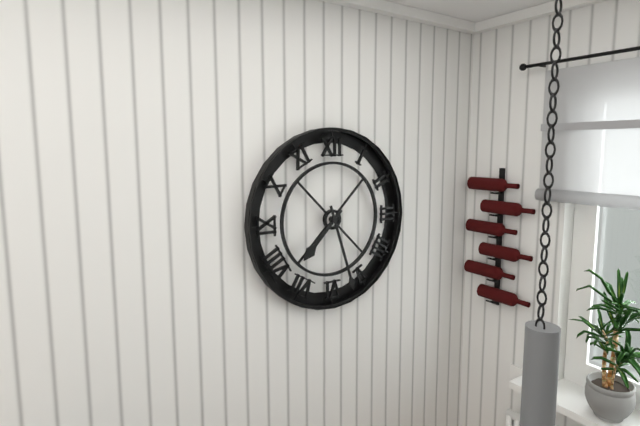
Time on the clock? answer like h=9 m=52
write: h=7 m=27
